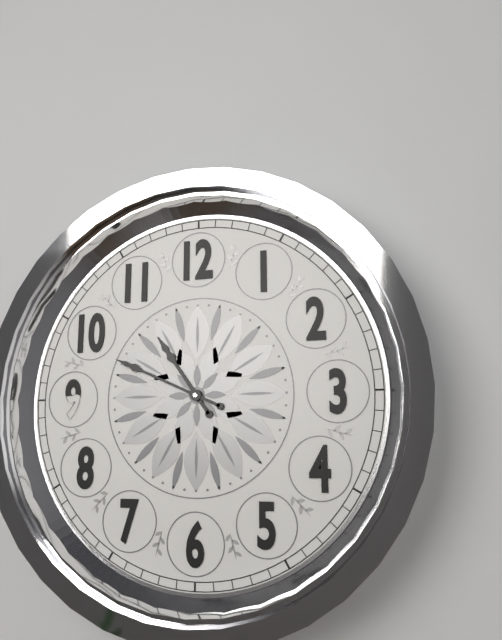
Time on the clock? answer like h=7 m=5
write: h=10 m=49
